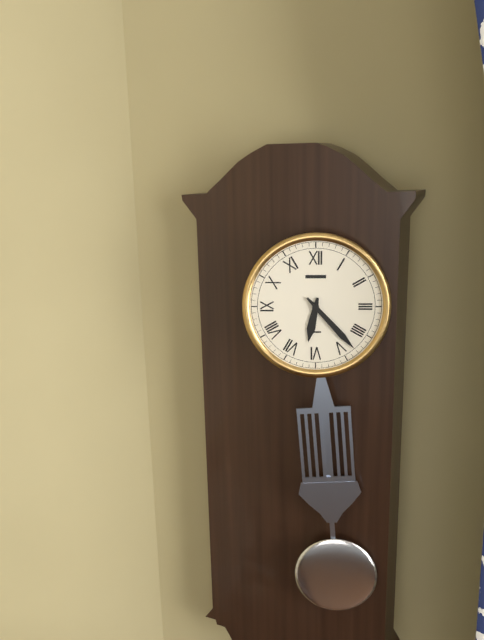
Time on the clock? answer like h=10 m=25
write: h=6 m=23
